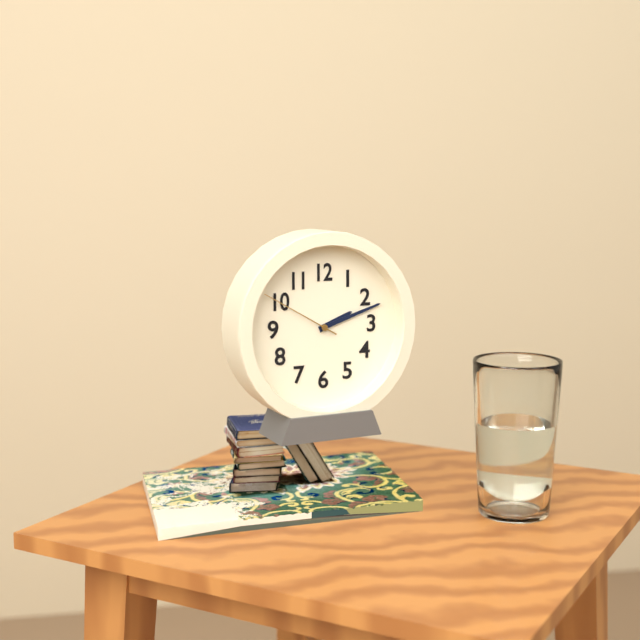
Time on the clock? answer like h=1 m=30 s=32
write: h=2 m=12 s=50
